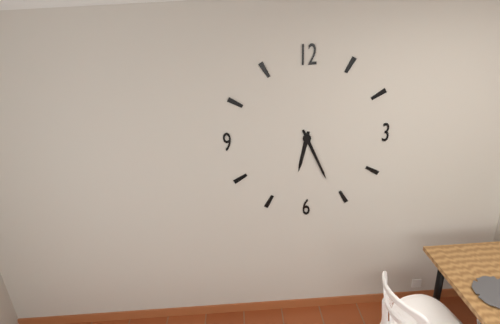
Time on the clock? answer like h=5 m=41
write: h=6 m=26
